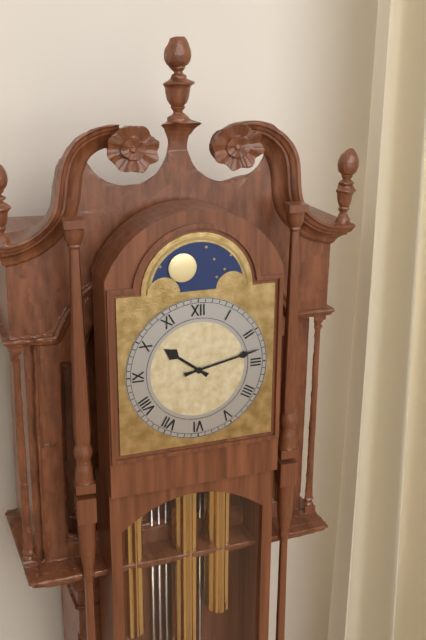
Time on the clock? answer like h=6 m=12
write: h=10 m=13
